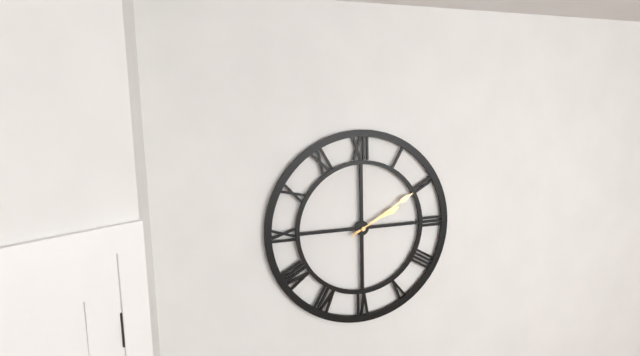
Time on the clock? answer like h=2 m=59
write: h=2 m=10
